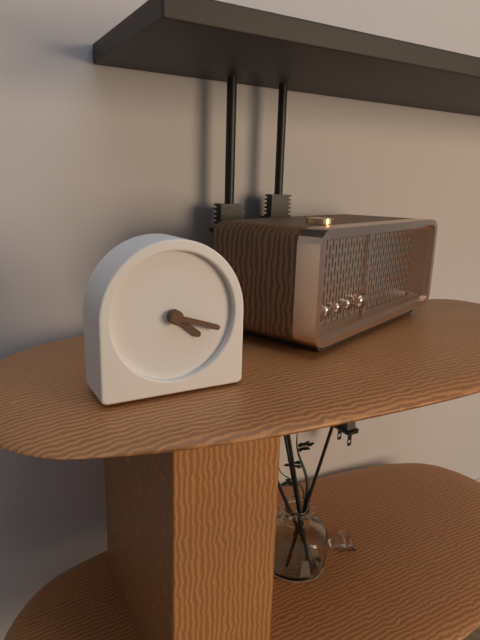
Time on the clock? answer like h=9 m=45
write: h=4 m=18
